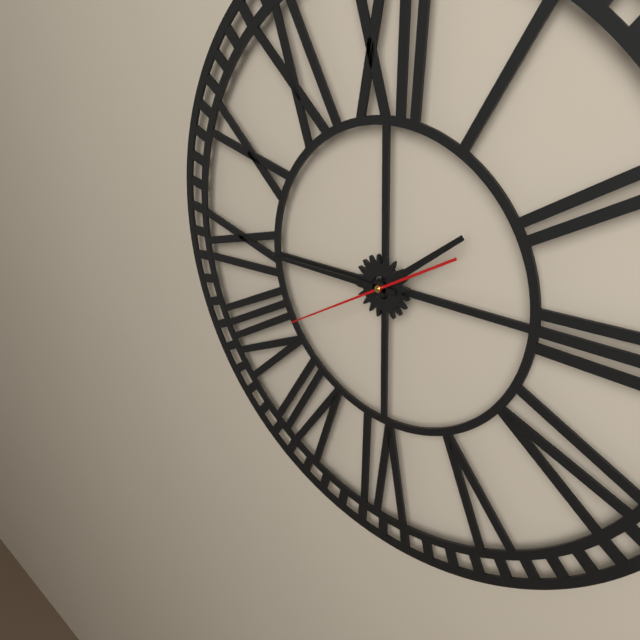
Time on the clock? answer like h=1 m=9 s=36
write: h=1 m=45 s=40
